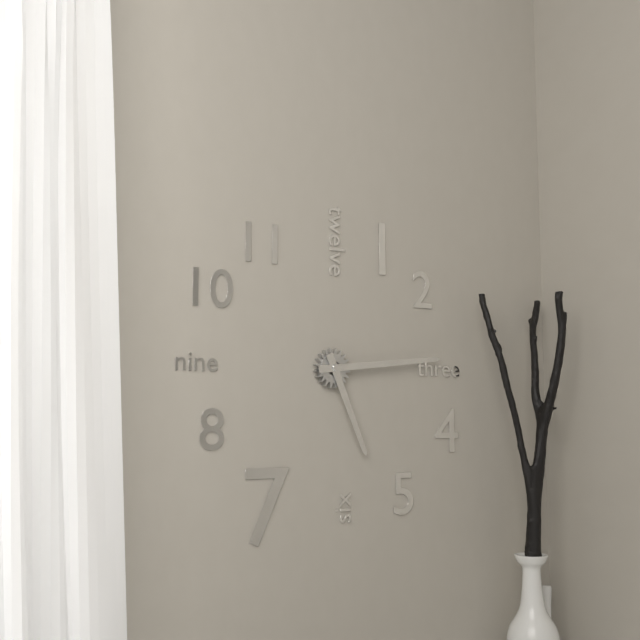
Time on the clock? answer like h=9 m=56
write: h=5 m=14
